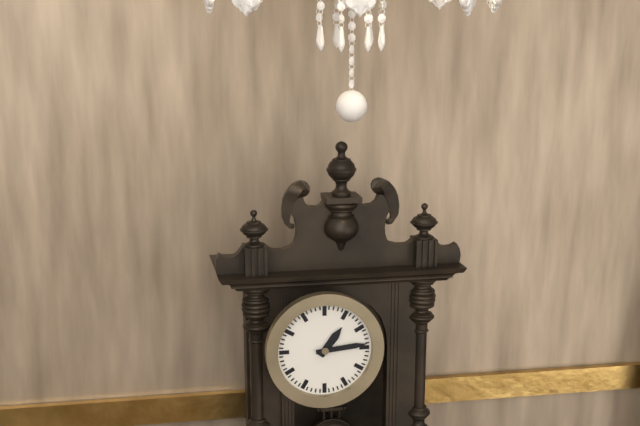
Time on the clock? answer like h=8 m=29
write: h=1 m=14
